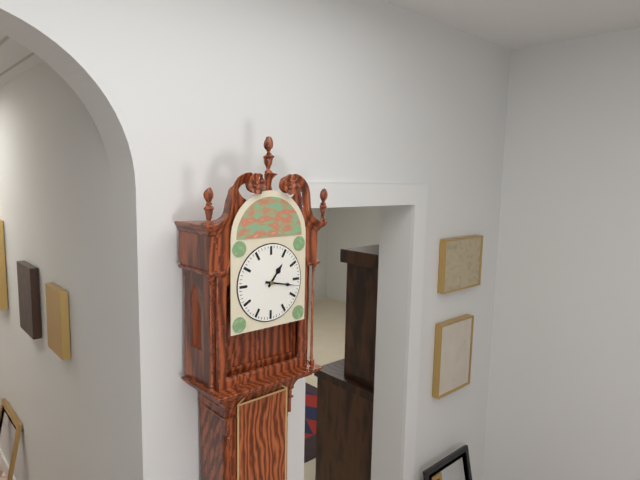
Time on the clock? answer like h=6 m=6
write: h=1 m=17
